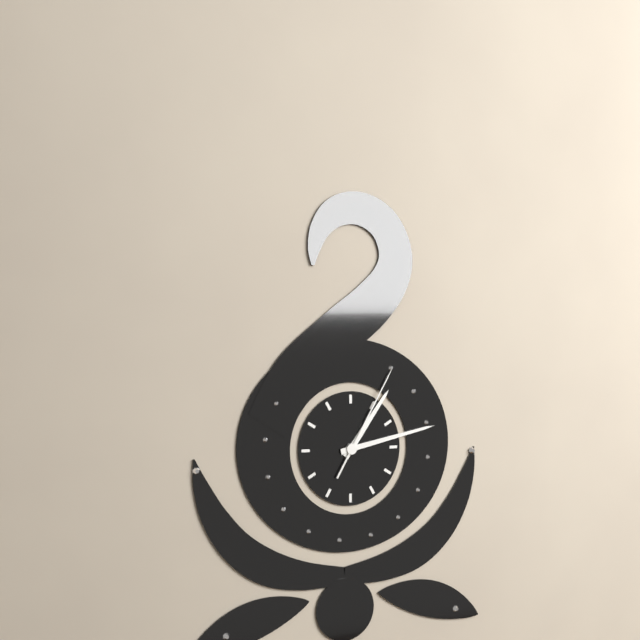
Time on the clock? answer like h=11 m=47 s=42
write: h=1 m=13 s=5
